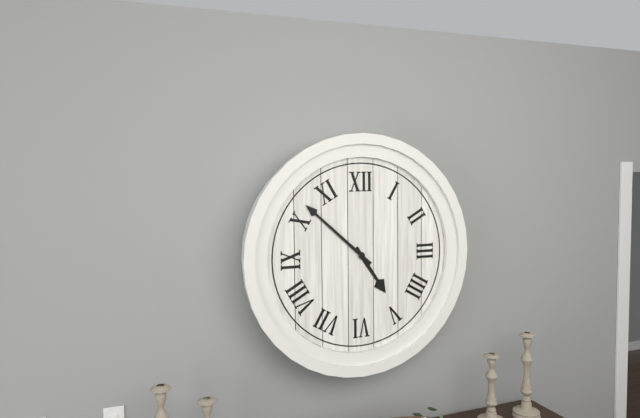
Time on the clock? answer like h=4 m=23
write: h=4 m=52
